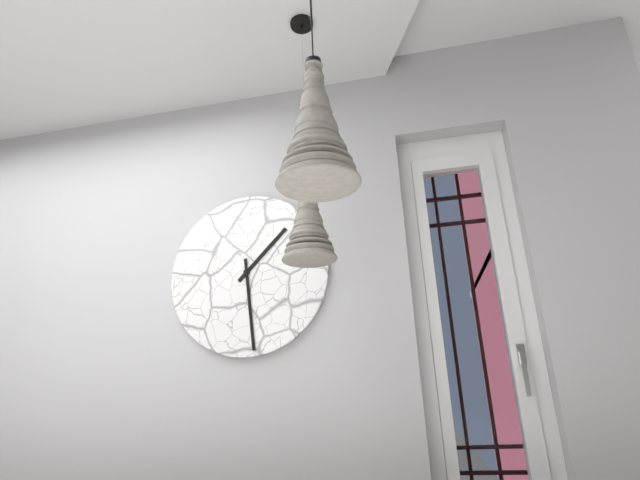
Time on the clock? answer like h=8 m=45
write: h=1 m=29
